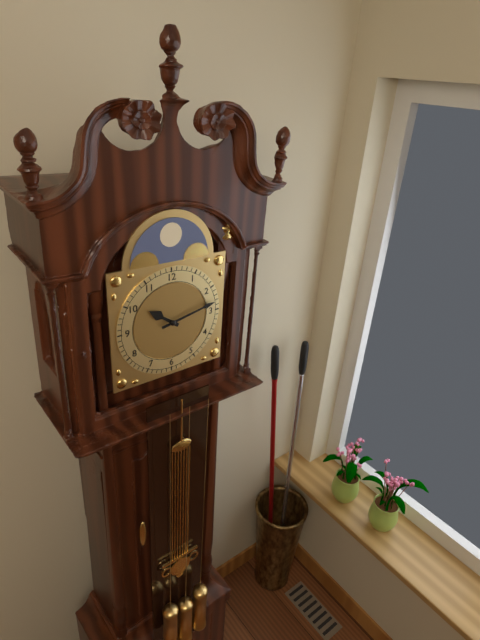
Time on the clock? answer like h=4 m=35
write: h=10 m=13
